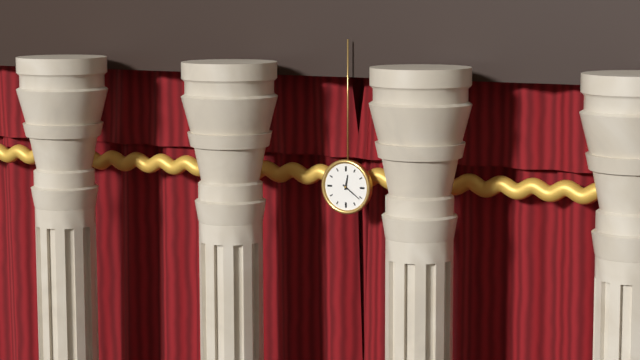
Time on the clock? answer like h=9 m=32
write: h=12 m=21
